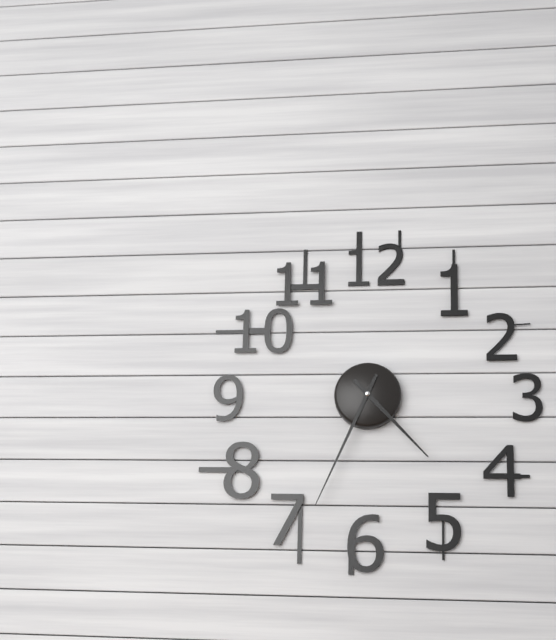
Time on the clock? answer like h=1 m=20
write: h=4 m=34
